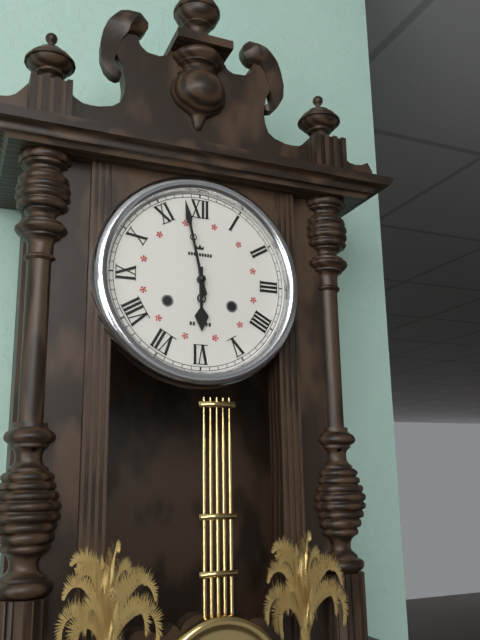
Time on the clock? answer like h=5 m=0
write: h=5 m=58
